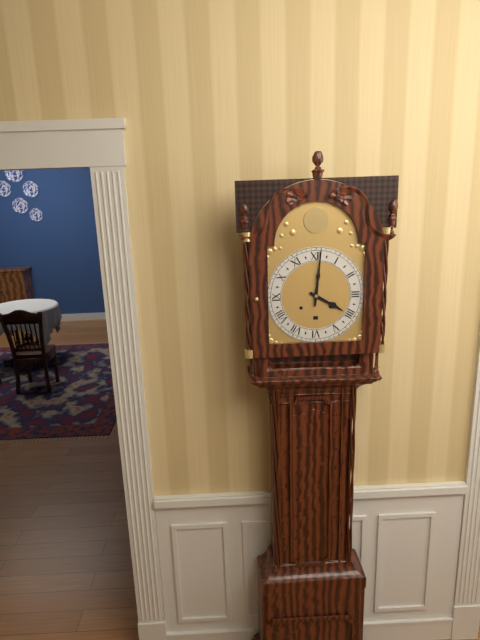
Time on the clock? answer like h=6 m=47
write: h=4 m=1
